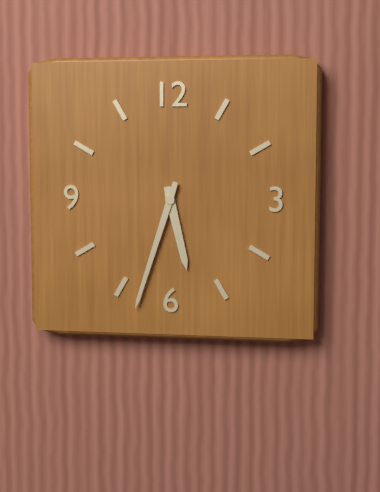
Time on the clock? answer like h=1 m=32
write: h=5 m=33
